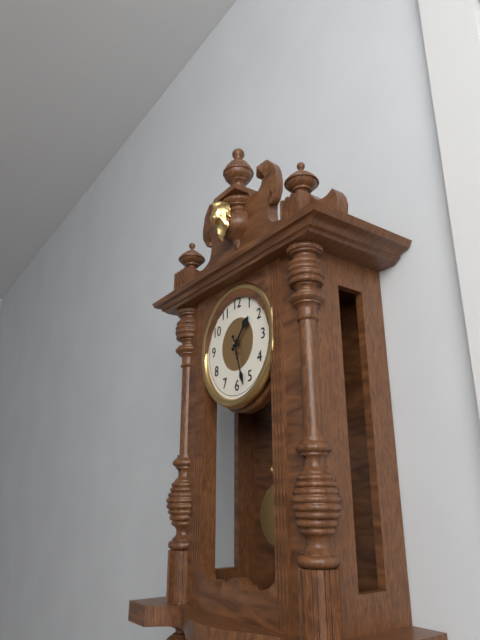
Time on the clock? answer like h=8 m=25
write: h=1 m=27
